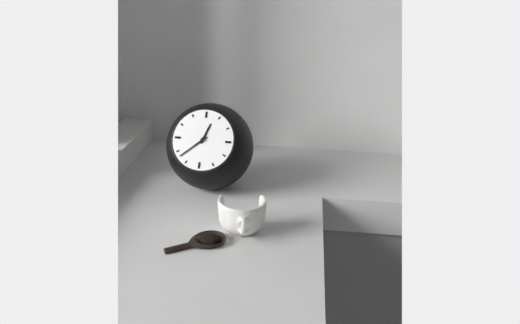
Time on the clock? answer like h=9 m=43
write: h=12 m=38
